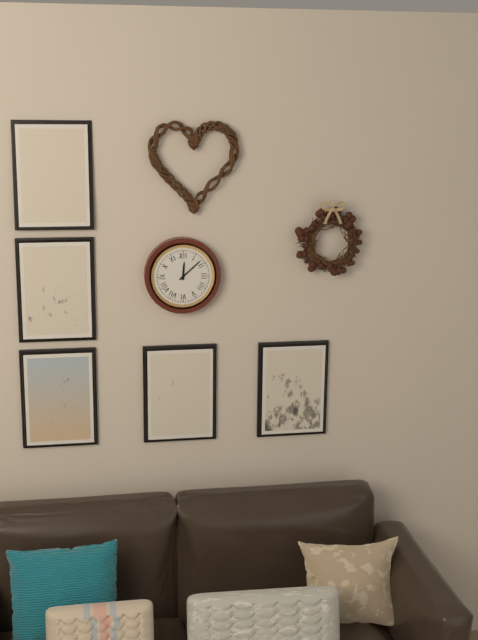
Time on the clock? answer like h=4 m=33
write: h=12 m=8
